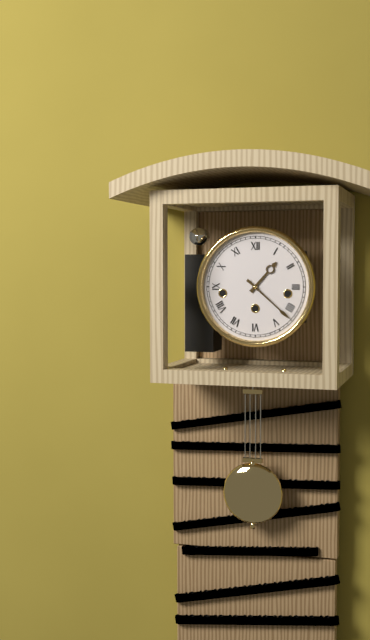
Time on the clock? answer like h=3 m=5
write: h=1 m=22
